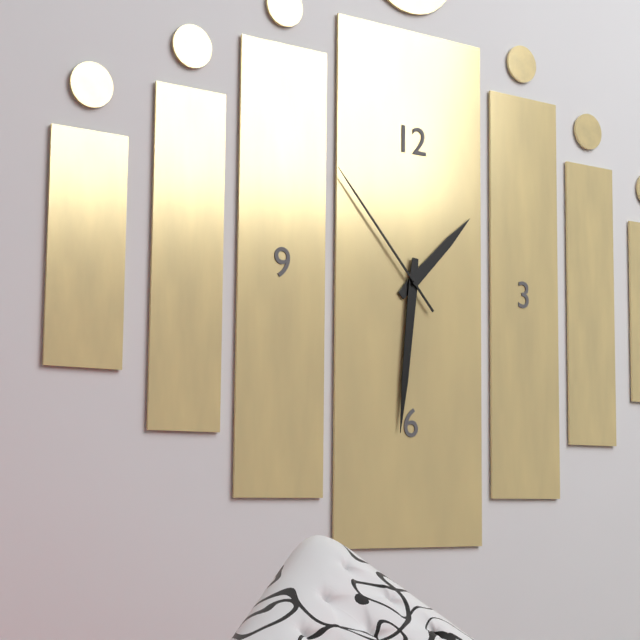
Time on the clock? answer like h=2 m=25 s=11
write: h=1 m=31 s=53
